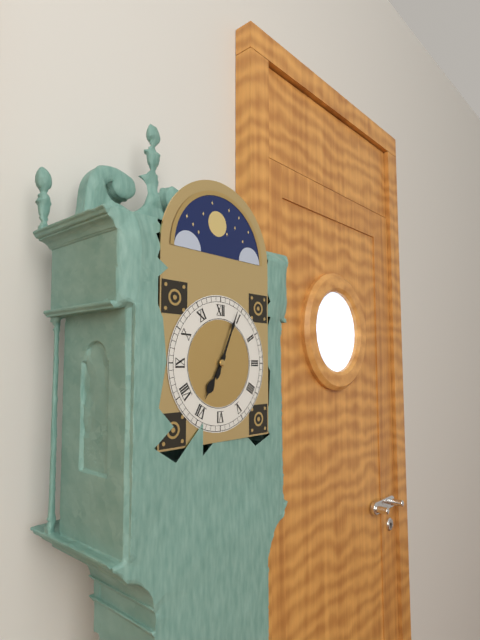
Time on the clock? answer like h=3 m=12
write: h=7 m=4
